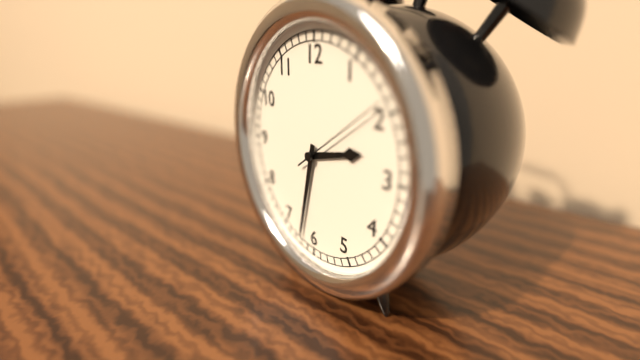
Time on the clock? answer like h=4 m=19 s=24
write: h=2 m=32 s=9
